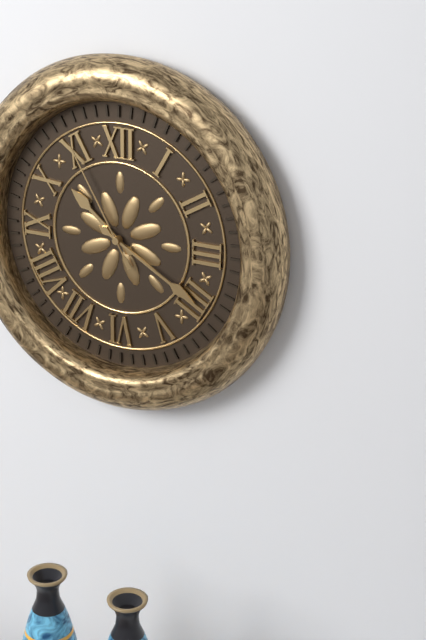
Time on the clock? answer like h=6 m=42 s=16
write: h=10 m=20 s=55
